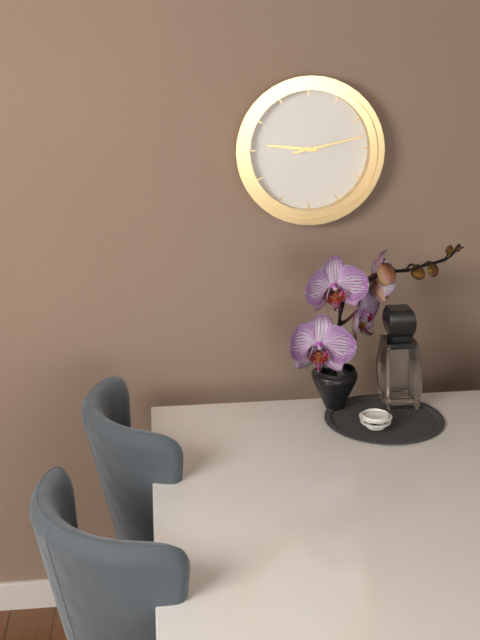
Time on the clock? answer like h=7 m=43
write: h=9 m=13
